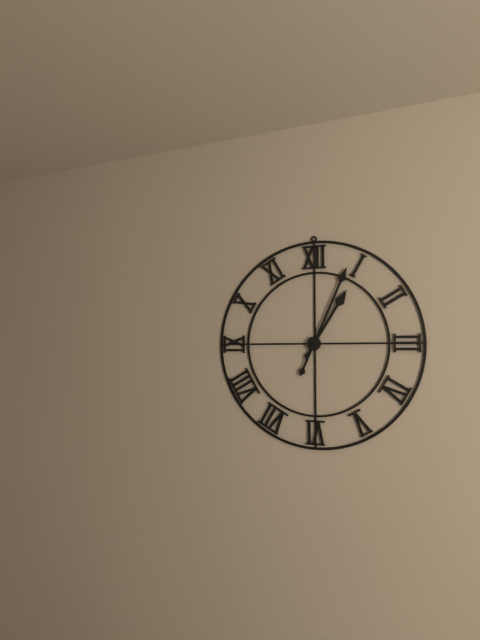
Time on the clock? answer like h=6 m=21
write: h=1 m=4
